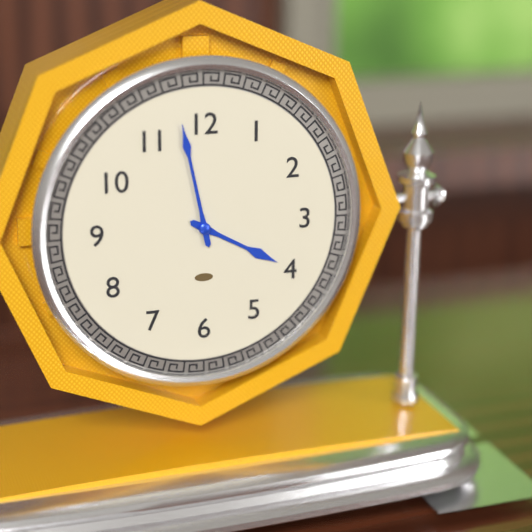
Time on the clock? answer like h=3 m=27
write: h=3 m=58
